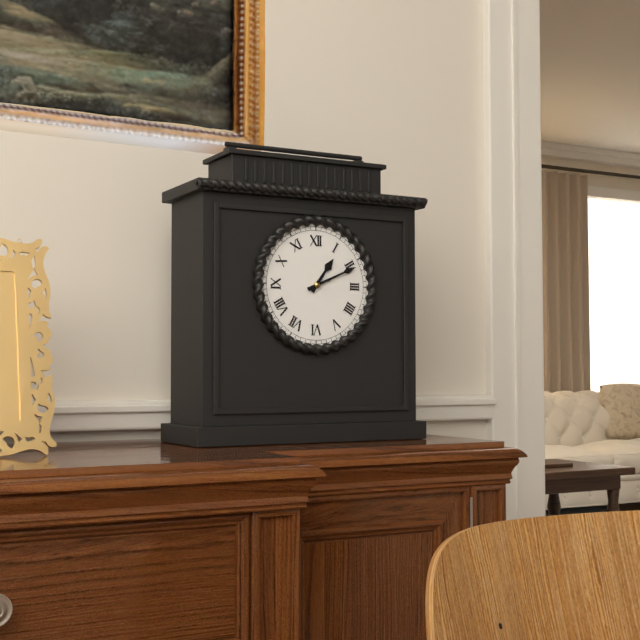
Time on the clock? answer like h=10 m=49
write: h=1 m=11
